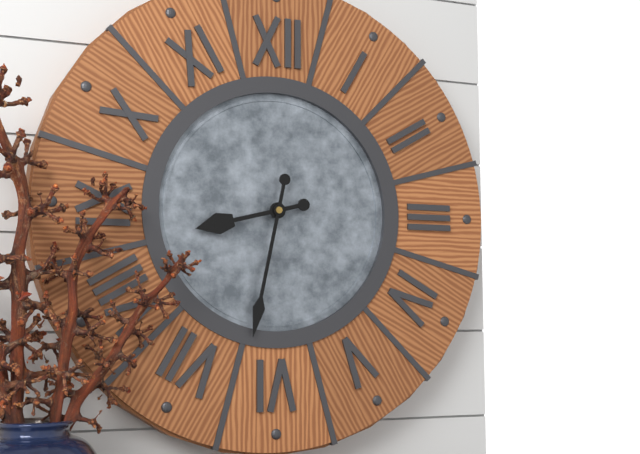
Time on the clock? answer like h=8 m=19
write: h=8 m=32
